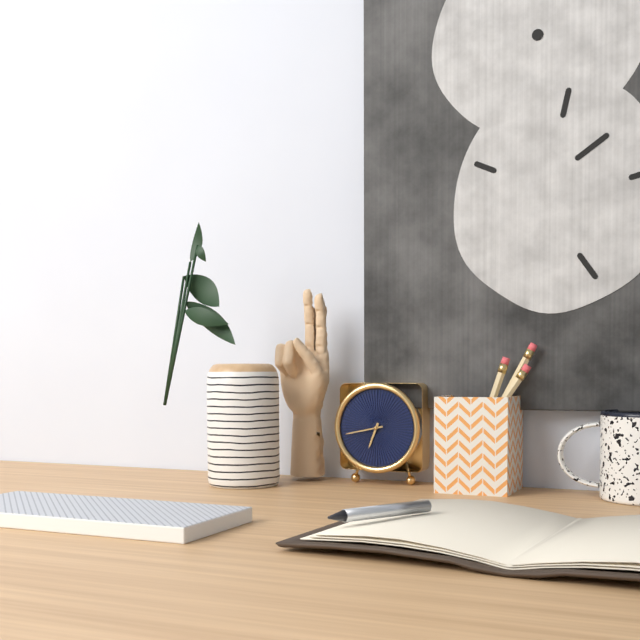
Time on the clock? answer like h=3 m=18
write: h=6 m=43
